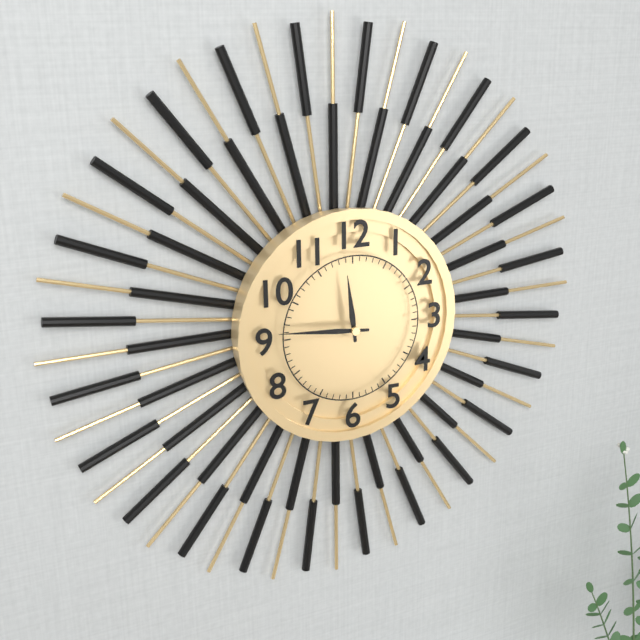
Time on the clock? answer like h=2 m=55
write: h=11 m=46
